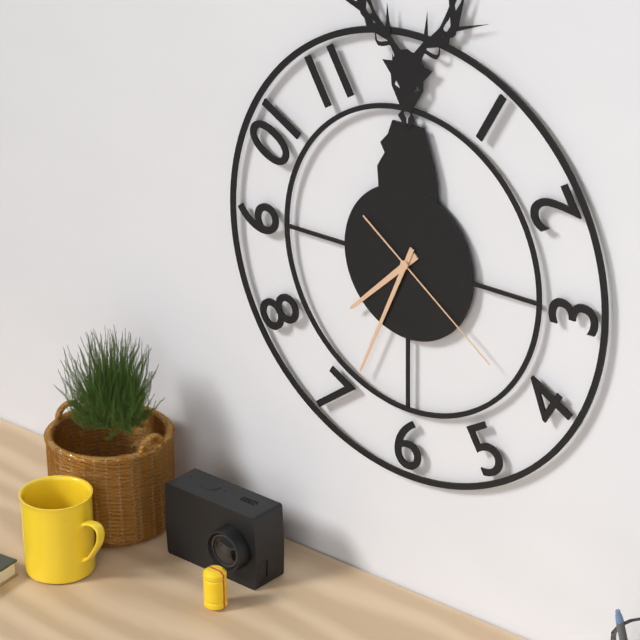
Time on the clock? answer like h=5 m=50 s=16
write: h=7 m=34 s=21
